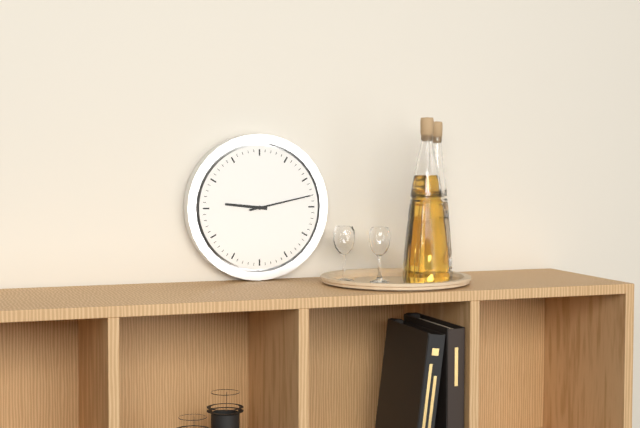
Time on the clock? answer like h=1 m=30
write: h=9 m=13
